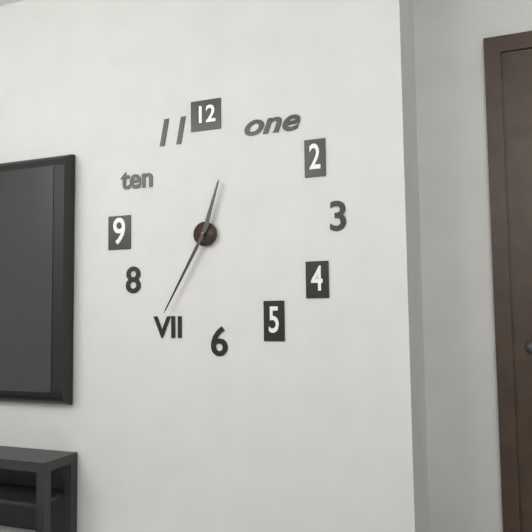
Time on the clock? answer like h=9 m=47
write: h=12 m=35
